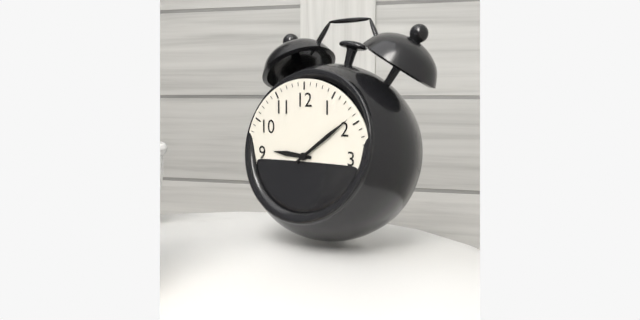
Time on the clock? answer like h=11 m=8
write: h=9 m=9
